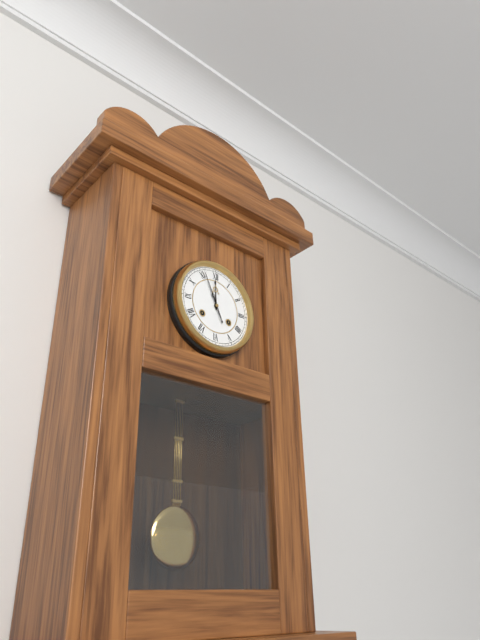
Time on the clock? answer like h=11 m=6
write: h=11 m=56
